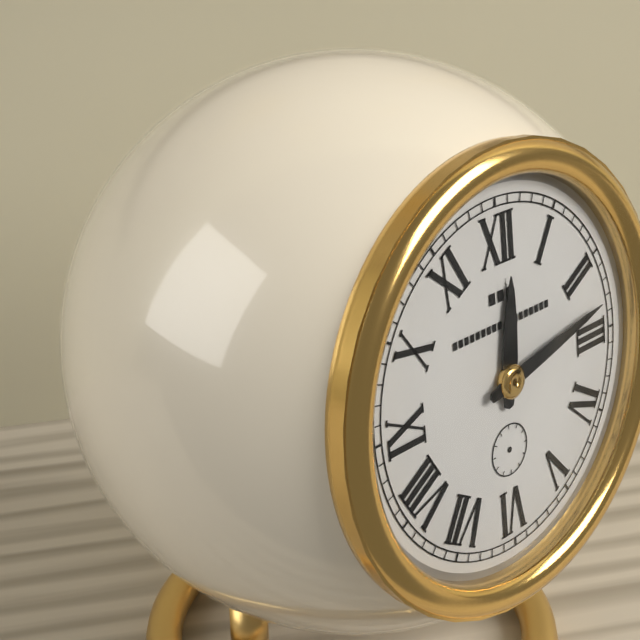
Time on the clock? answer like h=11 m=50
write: h=12 m=13
